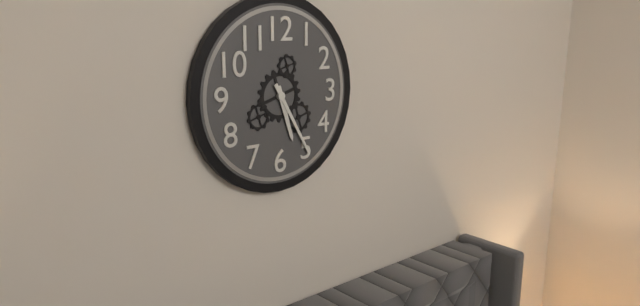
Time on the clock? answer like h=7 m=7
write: h=5 m=25
